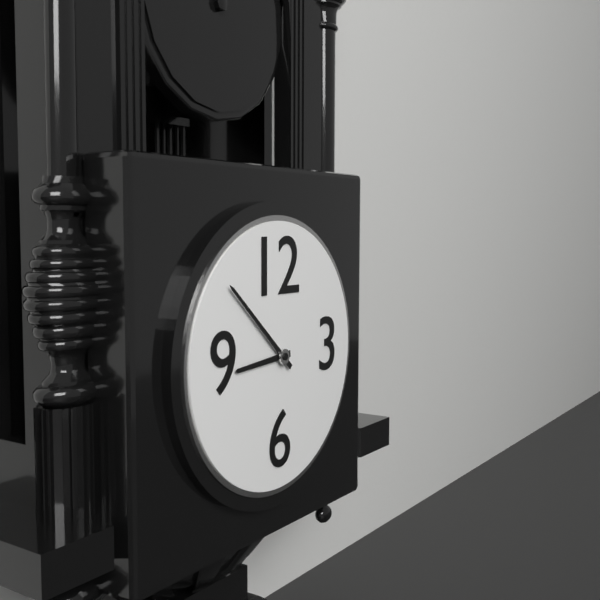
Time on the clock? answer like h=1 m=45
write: h=8 m=52
